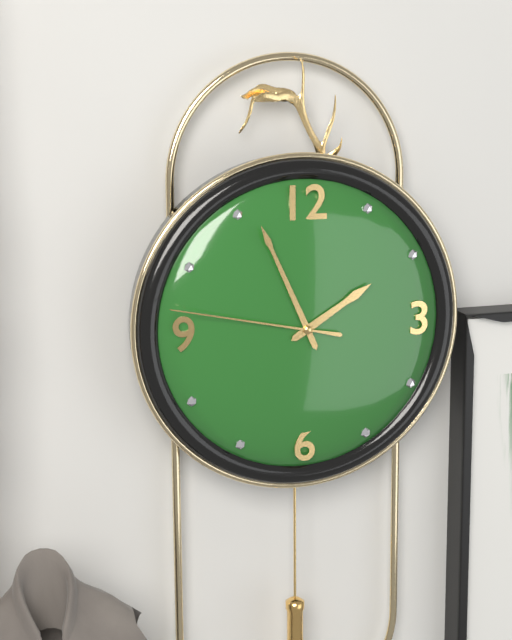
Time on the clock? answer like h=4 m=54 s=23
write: h=1 m=56 s=47
